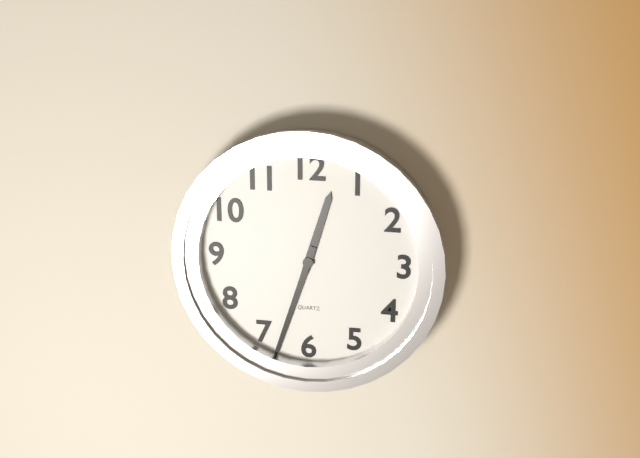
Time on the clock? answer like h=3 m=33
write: h=12 m=33
